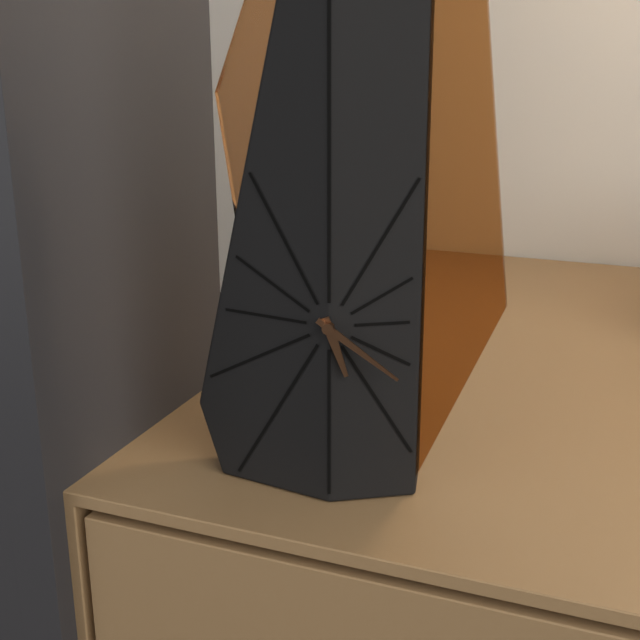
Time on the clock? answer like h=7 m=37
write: h=5 m=21
